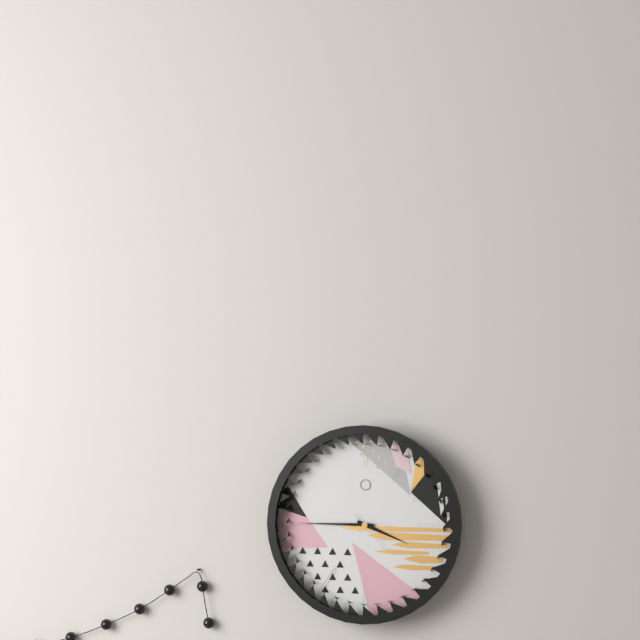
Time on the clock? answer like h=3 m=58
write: h=3 m=45
